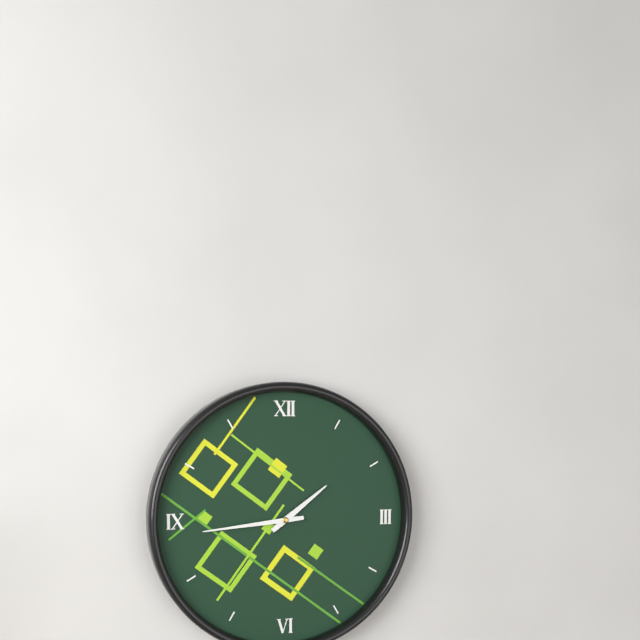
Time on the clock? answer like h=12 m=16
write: h=1 m=44
